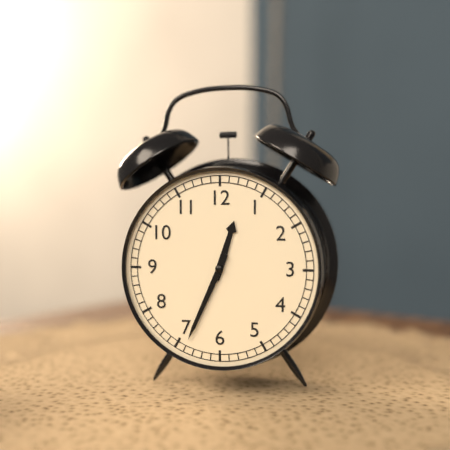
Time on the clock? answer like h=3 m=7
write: h=12 m=34
